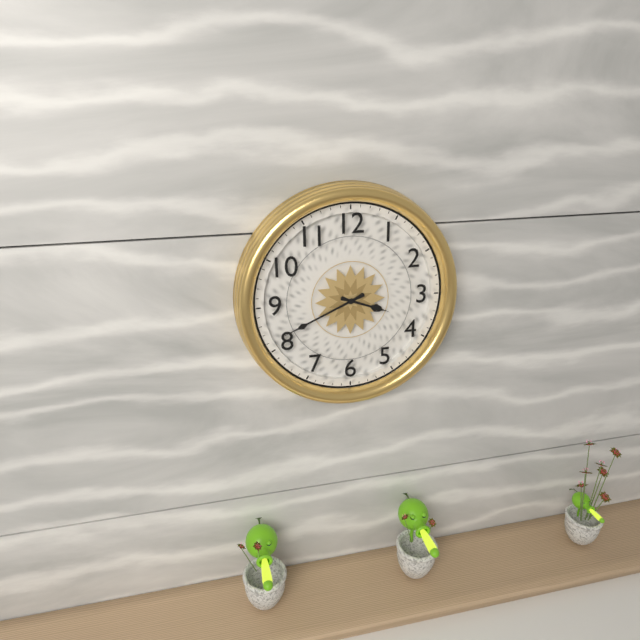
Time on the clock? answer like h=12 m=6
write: h=3 m=41
